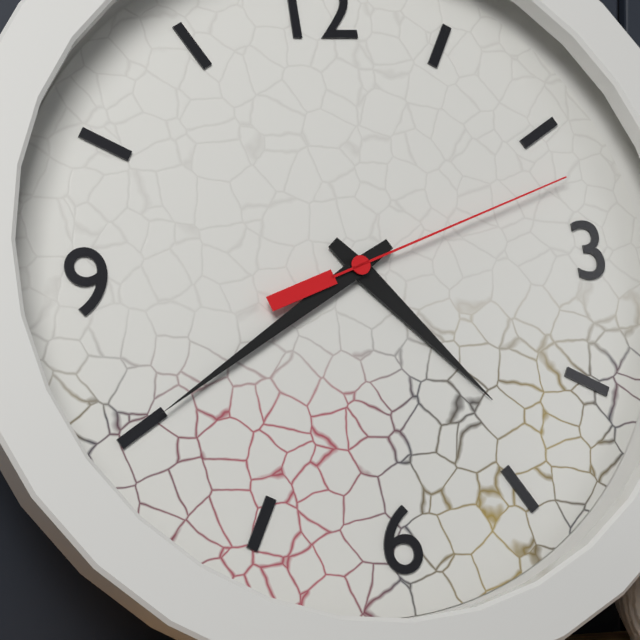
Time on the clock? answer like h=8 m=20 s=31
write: h=4 m=40 s=12
